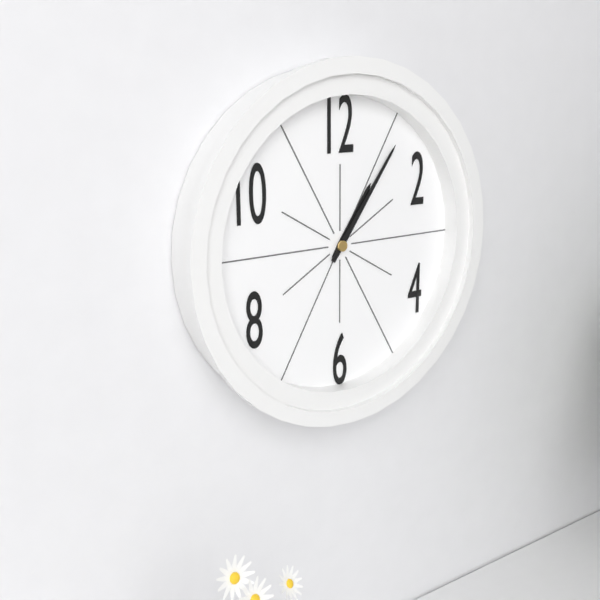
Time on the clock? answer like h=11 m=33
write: h=1 m=6
